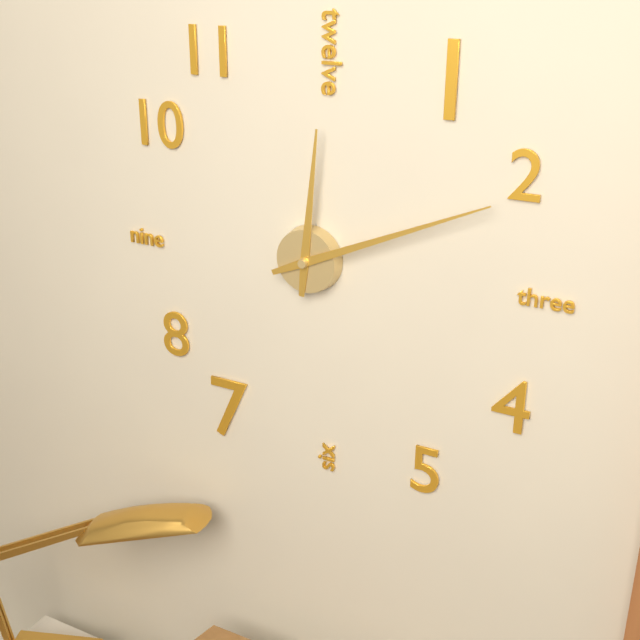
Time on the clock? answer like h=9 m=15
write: h=12 m=11
